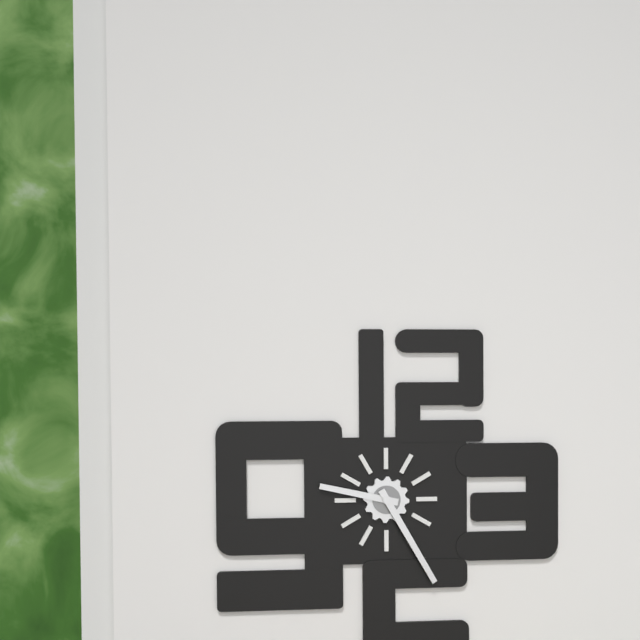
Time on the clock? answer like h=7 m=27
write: h=9 m=25
